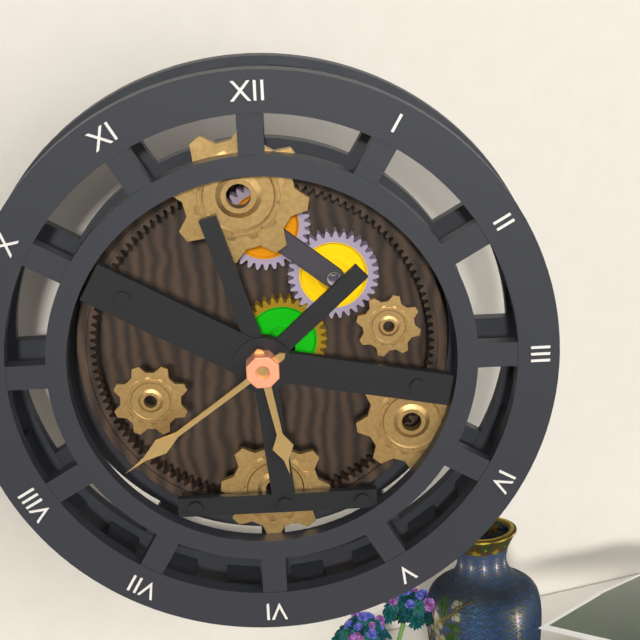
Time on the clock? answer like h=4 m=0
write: h=5 m=39
